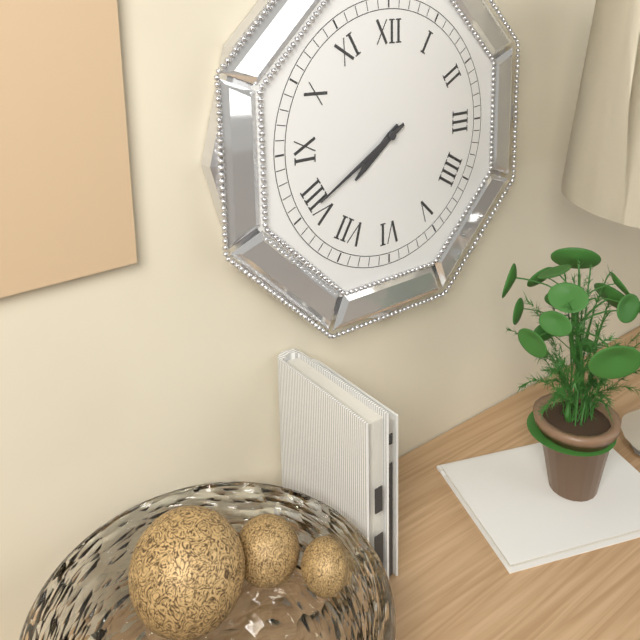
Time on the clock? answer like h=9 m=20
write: h=7 m=40
